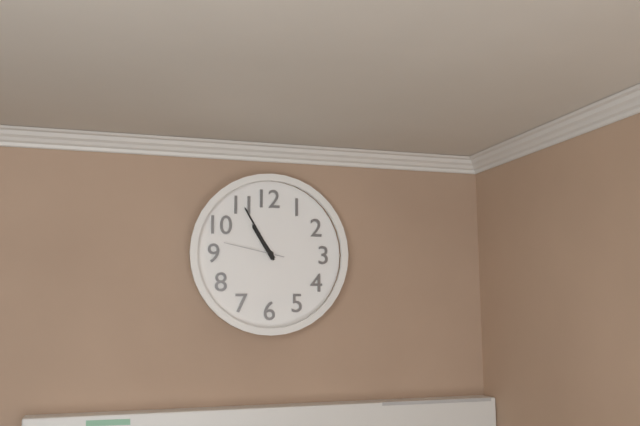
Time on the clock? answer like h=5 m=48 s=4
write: h=10 m=55 s=47
